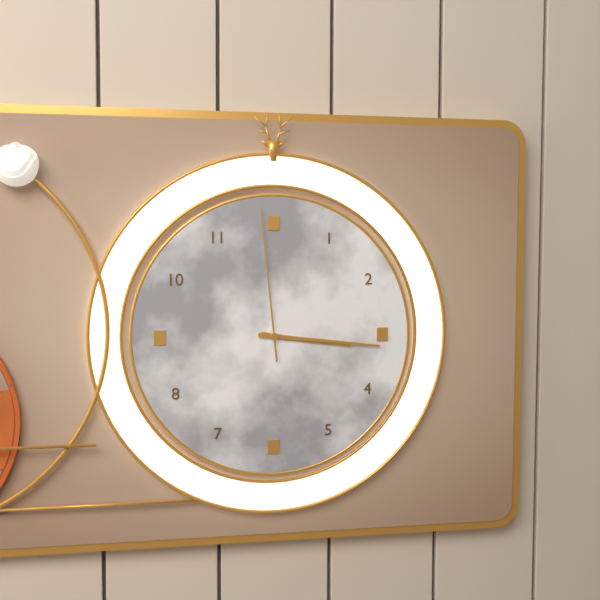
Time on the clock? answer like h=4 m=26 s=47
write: h=3 m=16 s=59
